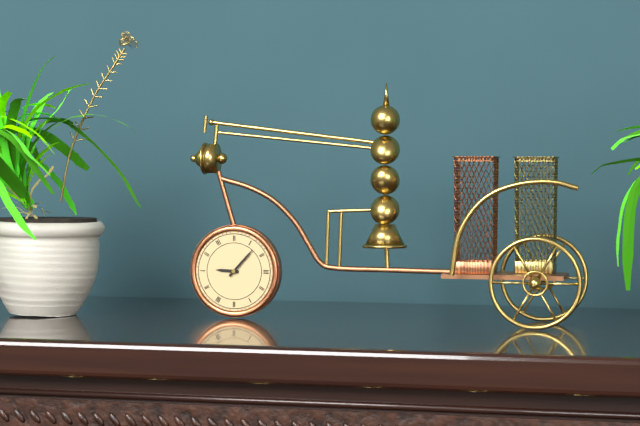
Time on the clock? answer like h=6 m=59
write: h=9 m=7
